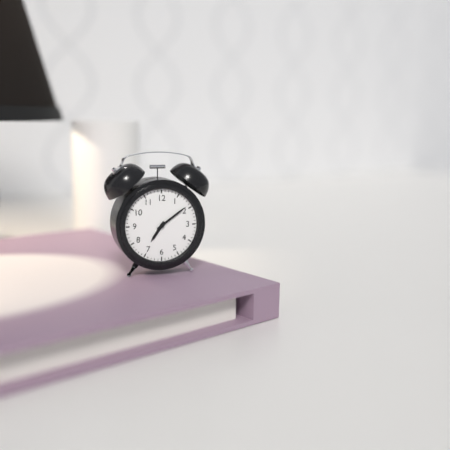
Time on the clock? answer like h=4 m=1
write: h=7 m=9
